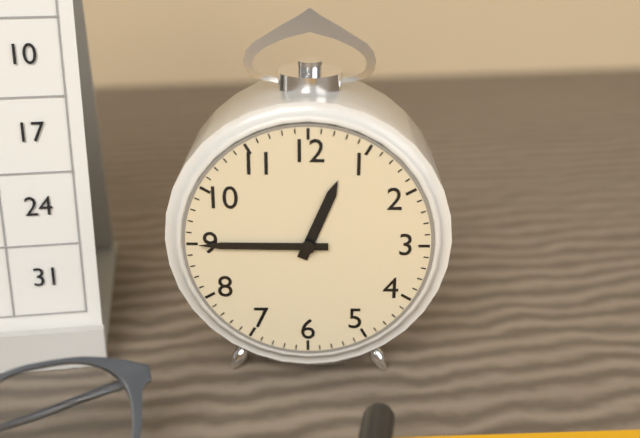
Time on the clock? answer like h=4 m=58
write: h=12 m=45
